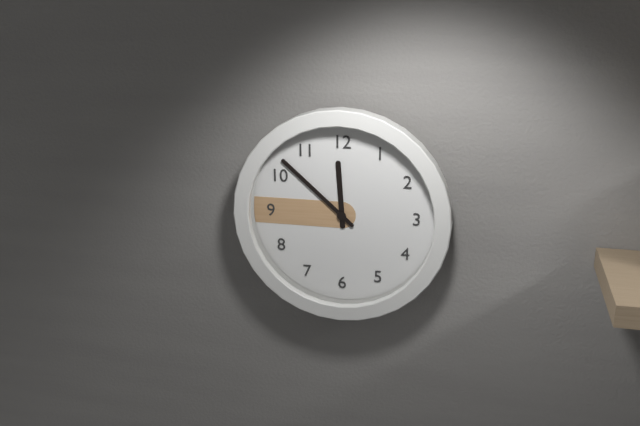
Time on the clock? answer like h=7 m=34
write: h=11 m=52
